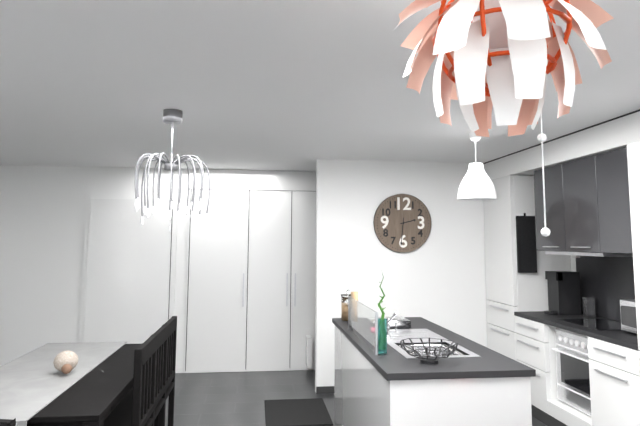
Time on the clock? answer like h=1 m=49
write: h=2 m=31
